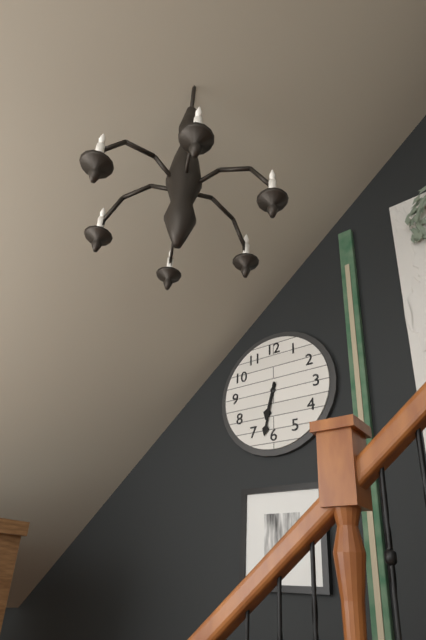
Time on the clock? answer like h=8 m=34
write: h=6 m=32
